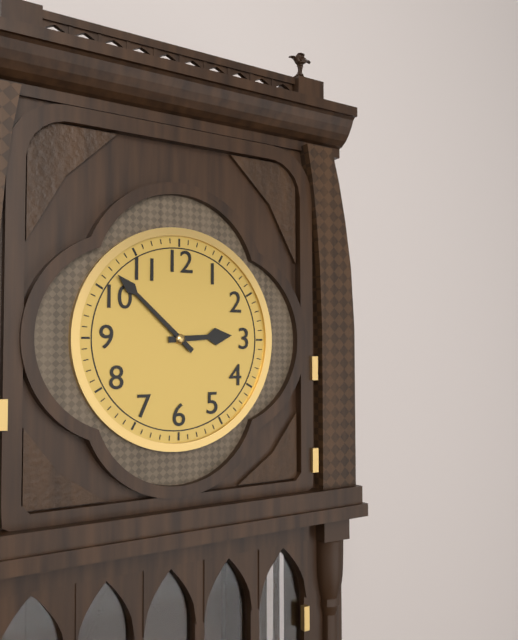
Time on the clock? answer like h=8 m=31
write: h=2 m=52
